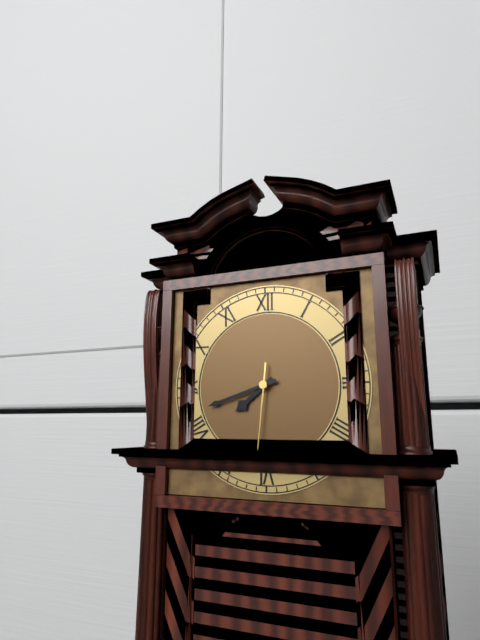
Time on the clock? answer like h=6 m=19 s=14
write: h=7 m=42 s=31
